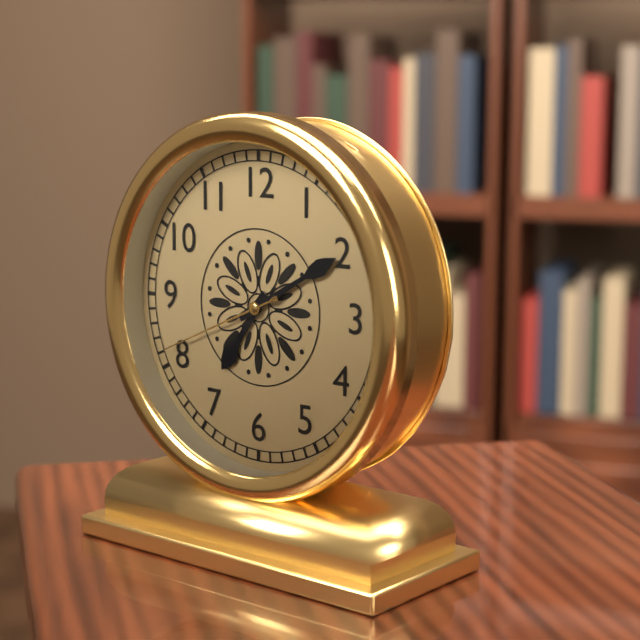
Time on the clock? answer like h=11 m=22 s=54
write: h=7 m=10 s=41
